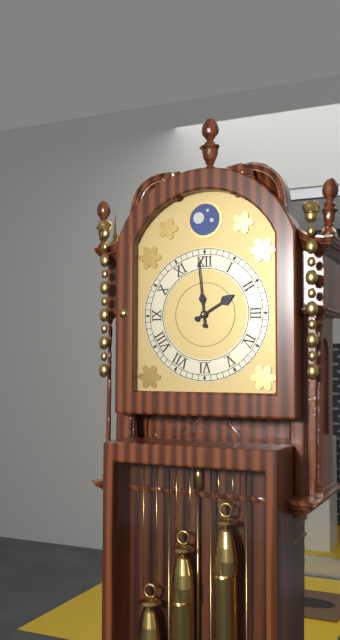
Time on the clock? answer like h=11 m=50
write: h=1 m=59
